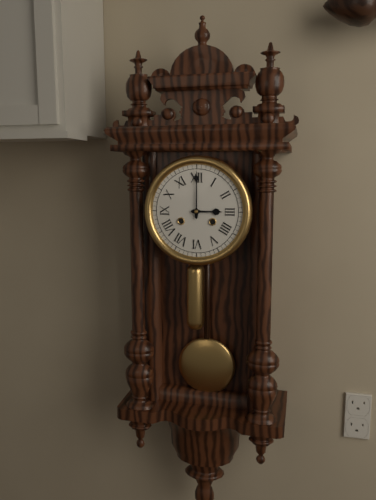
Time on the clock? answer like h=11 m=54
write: h=3 m=0
